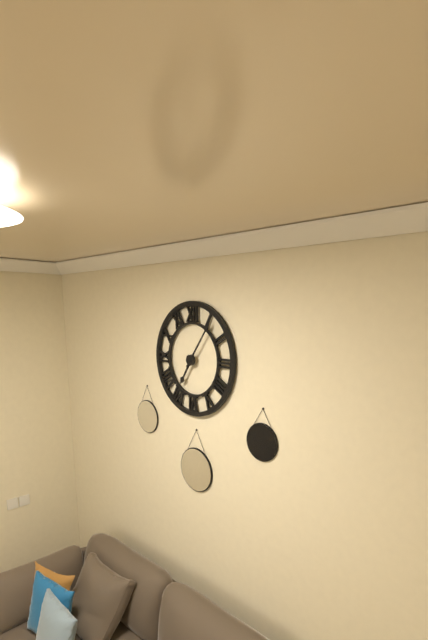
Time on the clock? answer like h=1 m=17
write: h=7 m=6
